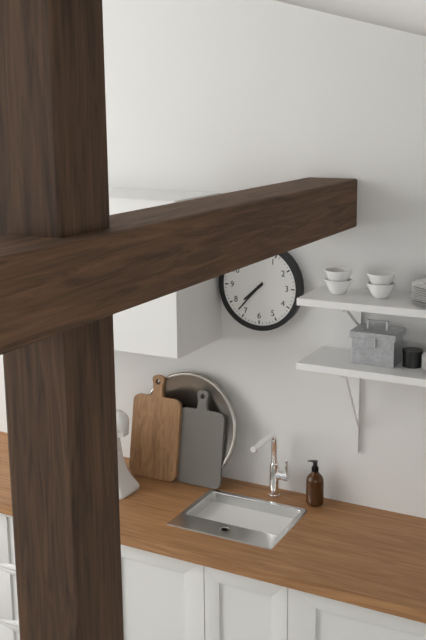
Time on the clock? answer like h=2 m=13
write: h=7 m=37
